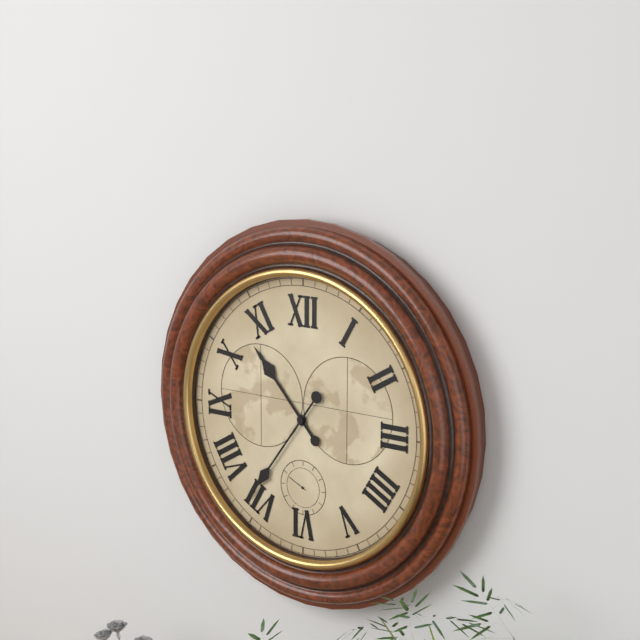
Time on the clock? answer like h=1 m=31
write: h=10 m=36
